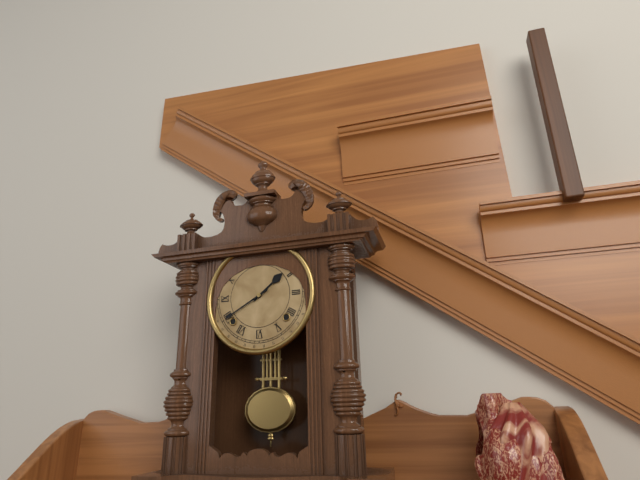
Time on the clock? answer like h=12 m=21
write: h=1 m=40
